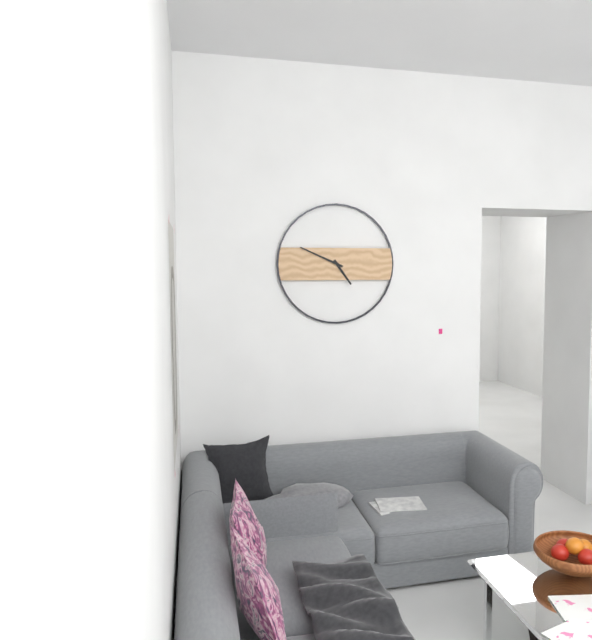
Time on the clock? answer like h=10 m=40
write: h=4 m=49
